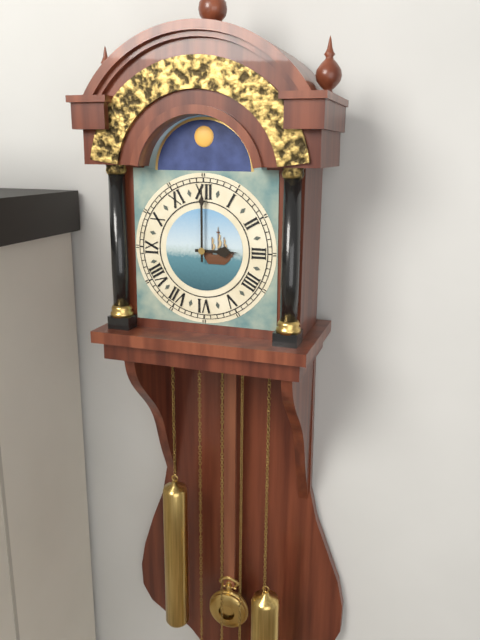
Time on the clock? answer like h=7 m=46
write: h=3 m=0
